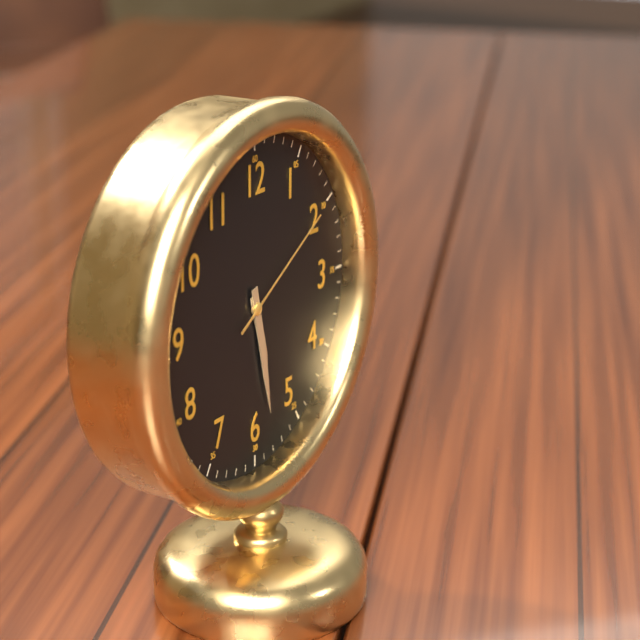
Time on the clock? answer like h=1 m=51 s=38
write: h=5 m=28 s=10
